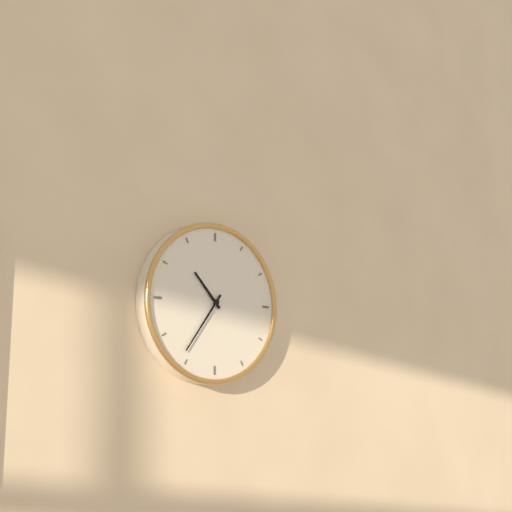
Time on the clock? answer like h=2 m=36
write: h=10 m=36
